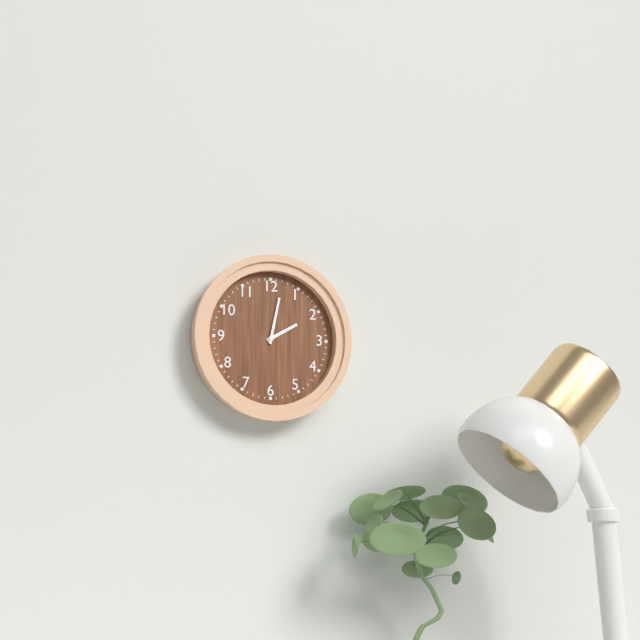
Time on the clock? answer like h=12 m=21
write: h=2 m=2
